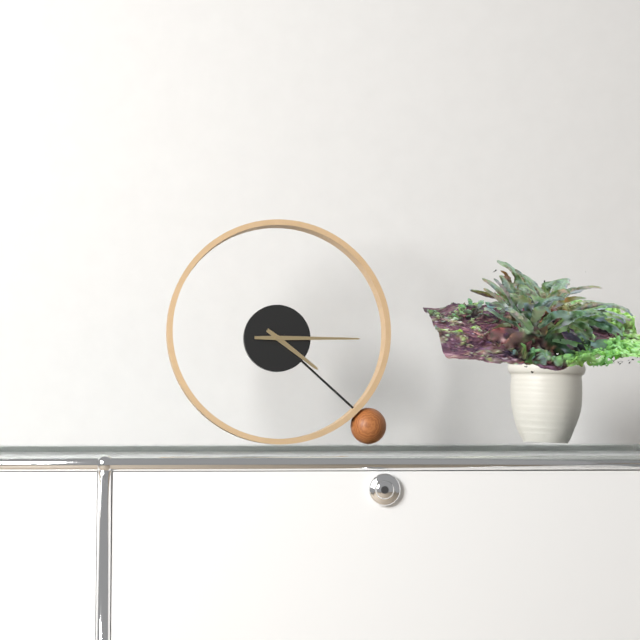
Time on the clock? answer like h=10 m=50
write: h=4 m=15
